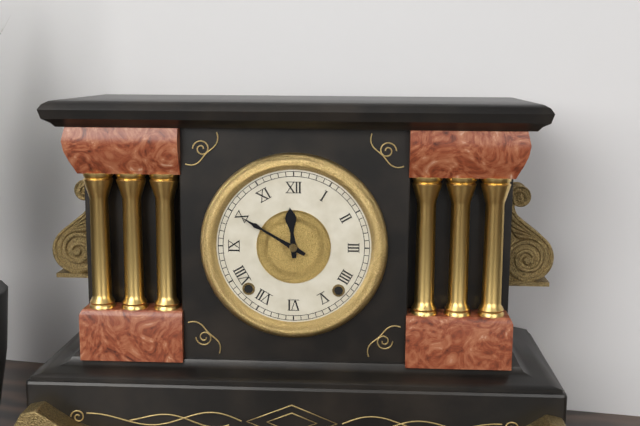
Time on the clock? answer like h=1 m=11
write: h=11 m=50
